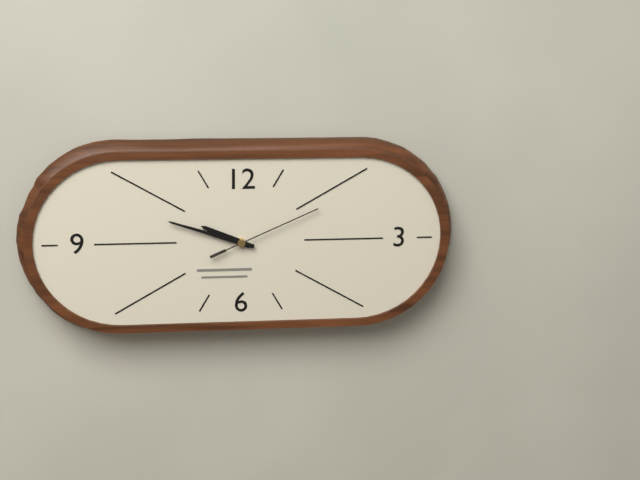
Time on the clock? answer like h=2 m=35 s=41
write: h=9 m=48 s=11
